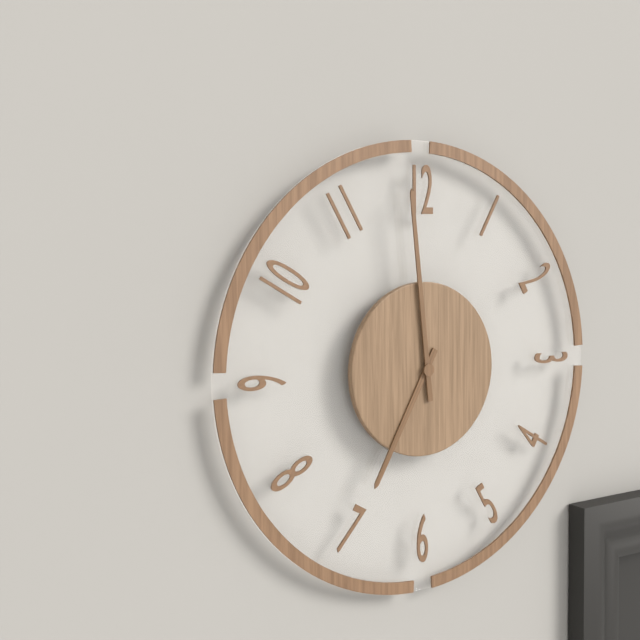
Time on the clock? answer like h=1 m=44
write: h=6 m=59
